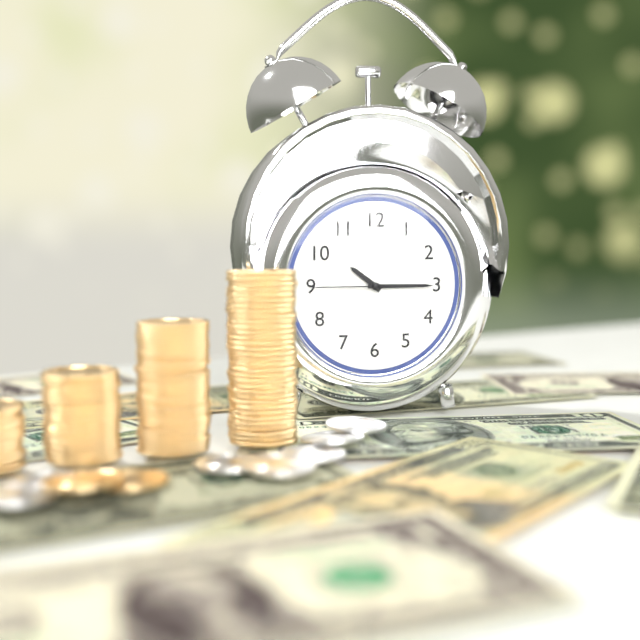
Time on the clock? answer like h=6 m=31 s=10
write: h=10 m=15 s=45
